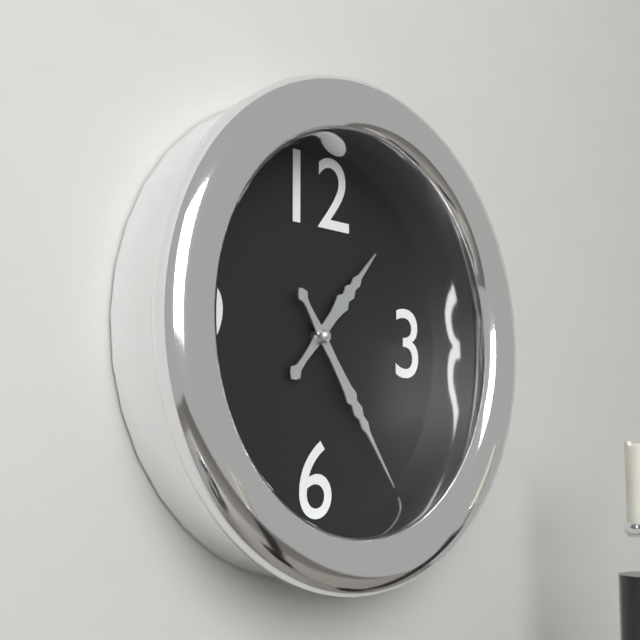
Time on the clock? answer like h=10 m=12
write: h=1 m=24
